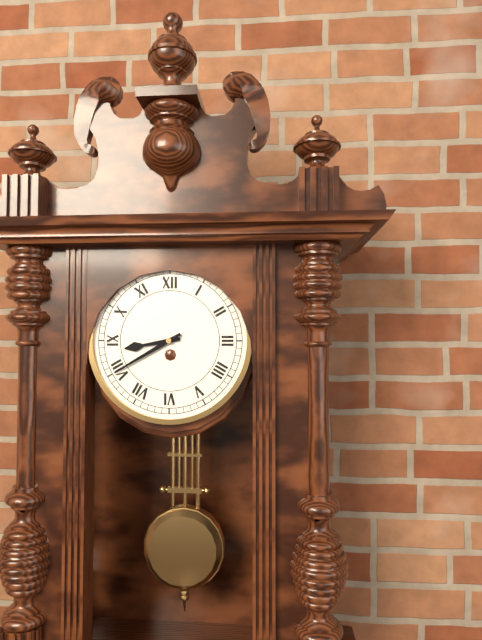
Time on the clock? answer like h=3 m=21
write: h=8 m=40
